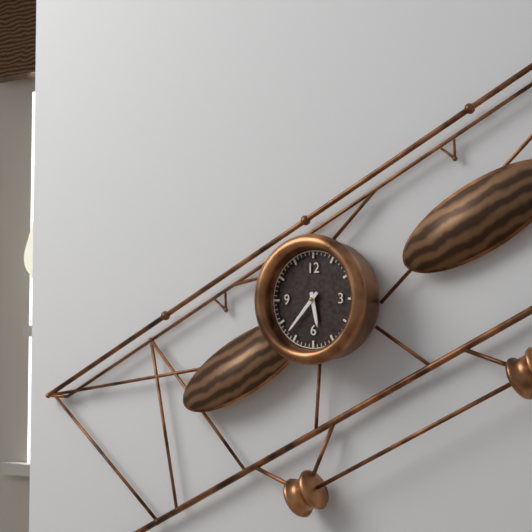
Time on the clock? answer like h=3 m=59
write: h=5 m=37
